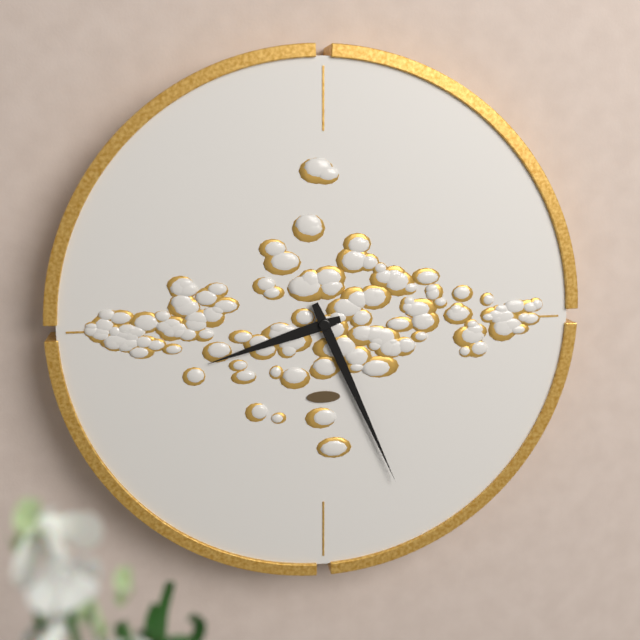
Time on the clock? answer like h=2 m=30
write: h=8 m=26
